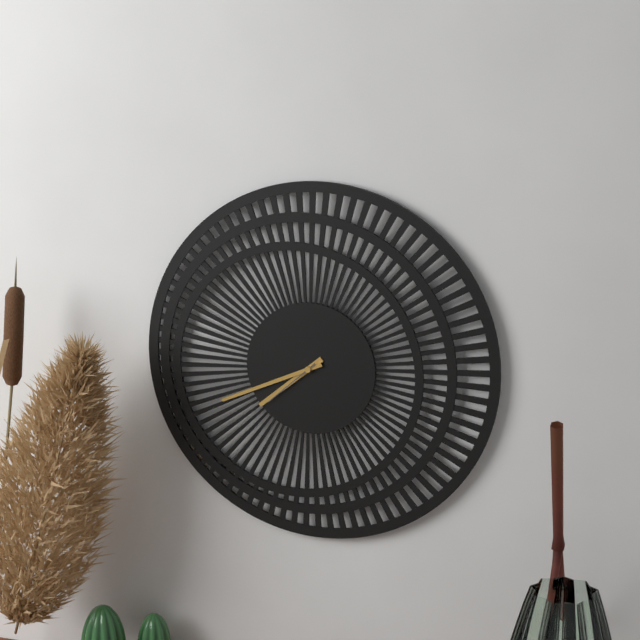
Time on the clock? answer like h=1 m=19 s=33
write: h=7 m=41 s=38
